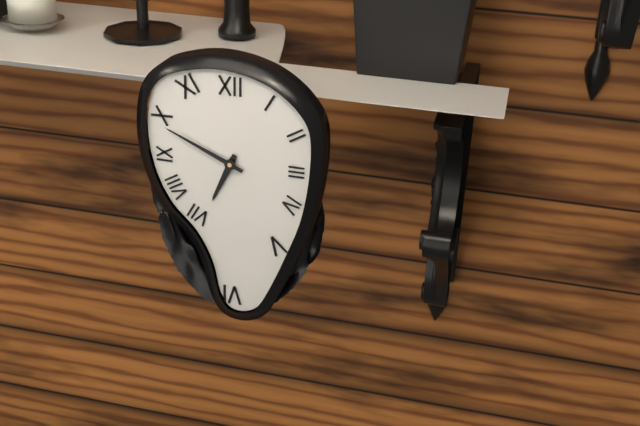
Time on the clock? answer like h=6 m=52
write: h=6 m=49
